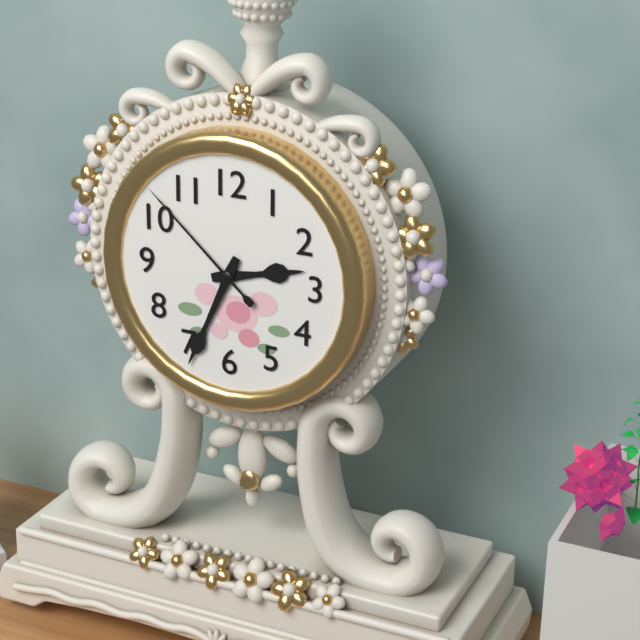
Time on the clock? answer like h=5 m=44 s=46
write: h=2 m=34 s=52
